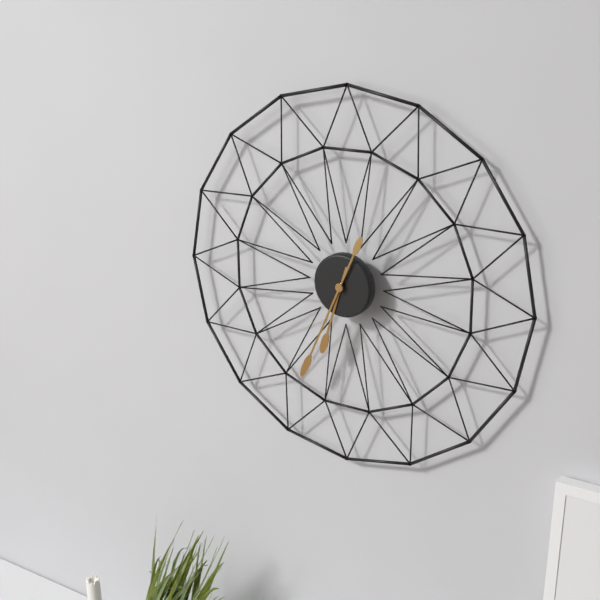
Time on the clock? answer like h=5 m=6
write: h=6 m=34
